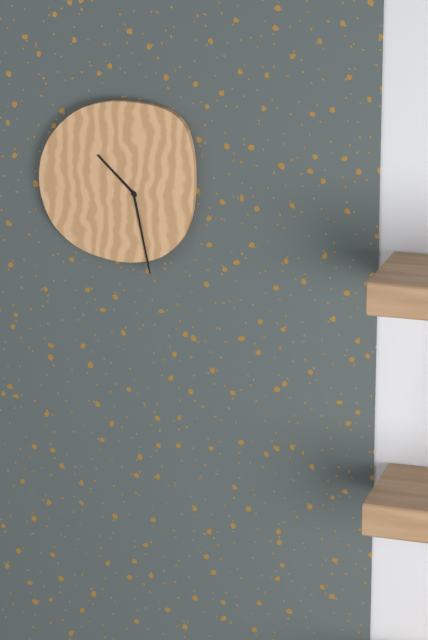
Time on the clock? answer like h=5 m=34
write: h=10 m=28
